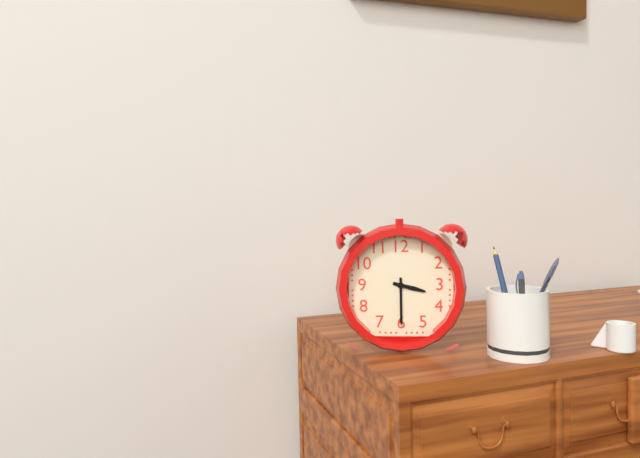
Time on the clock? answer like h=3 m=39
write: h=3 m=30
